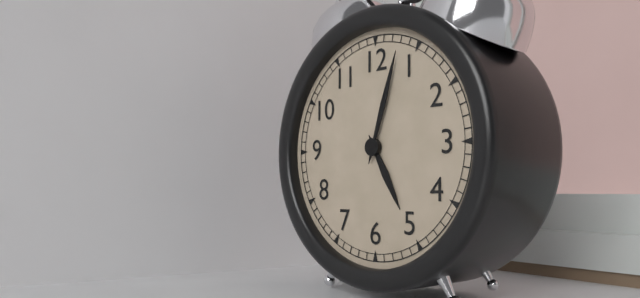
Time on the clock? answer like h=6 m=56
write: h=5 m=3
